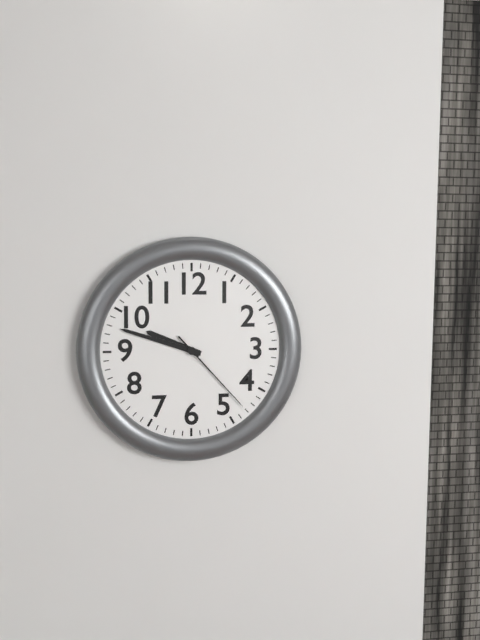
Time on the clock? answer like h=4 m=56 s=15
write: h=9 m=48 s=23
